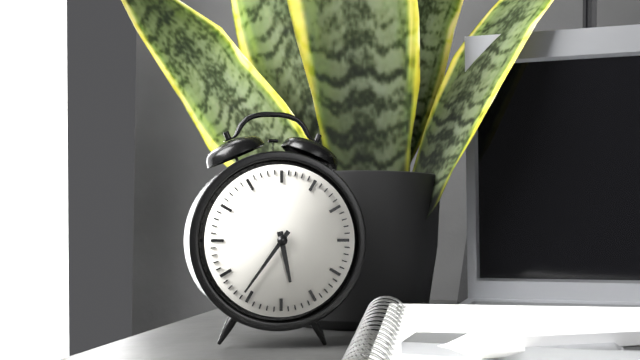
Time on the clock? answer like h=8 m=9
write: h=5 m=36
